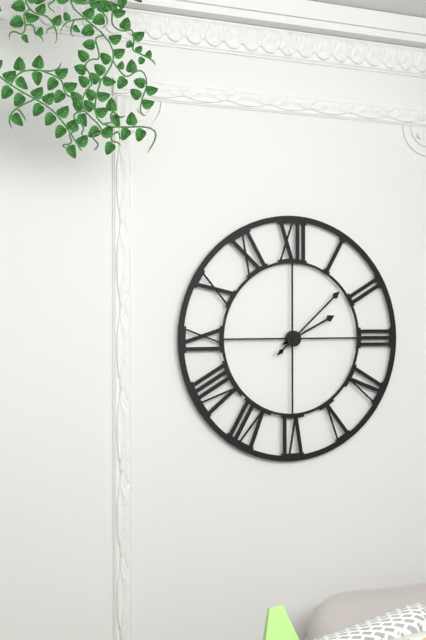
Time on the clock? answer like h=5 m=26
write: h=2 m=8
